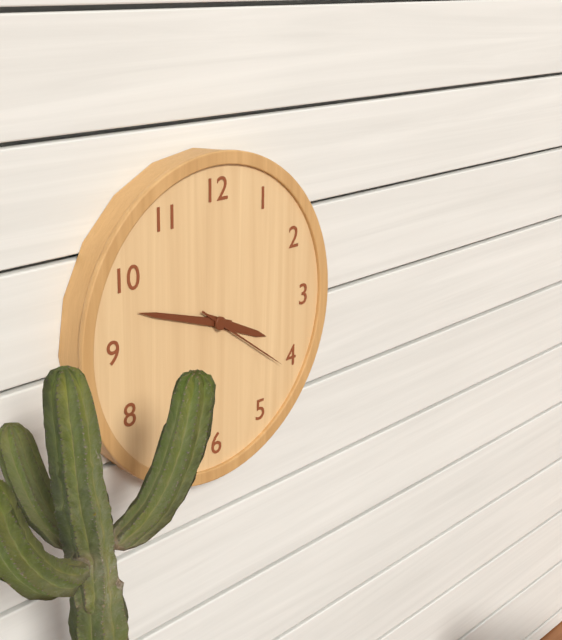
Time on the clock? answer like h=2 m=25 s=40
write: h=3 m=48 s=21
